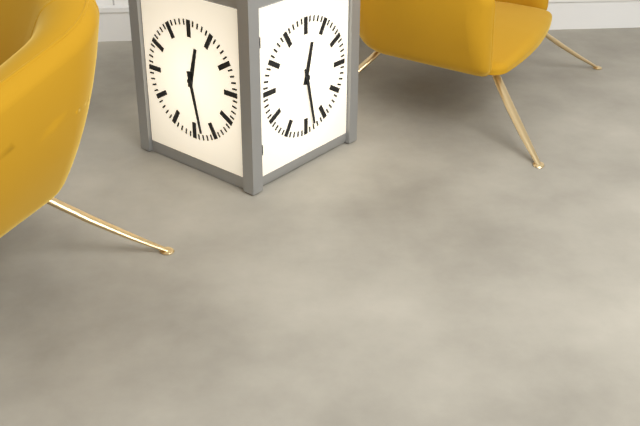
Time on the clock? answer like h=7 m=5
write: h=12 m=28
